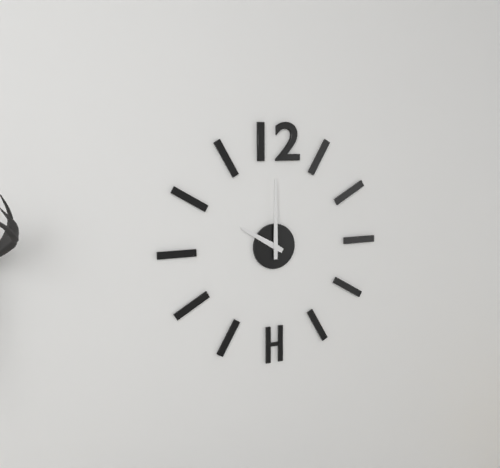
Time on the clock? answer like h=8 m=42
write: h=10 m=0
